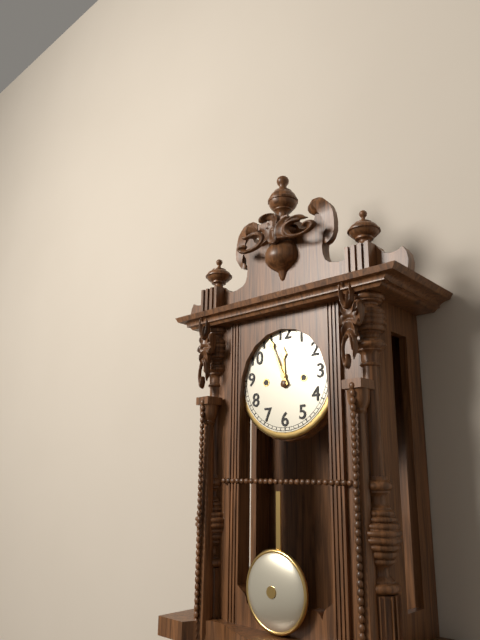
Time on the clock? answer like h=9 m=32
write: h=11 m=56
